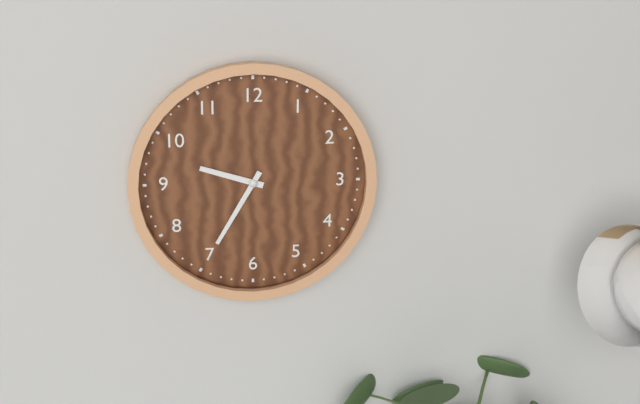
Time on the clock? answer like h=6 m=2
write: h=9 m=35
